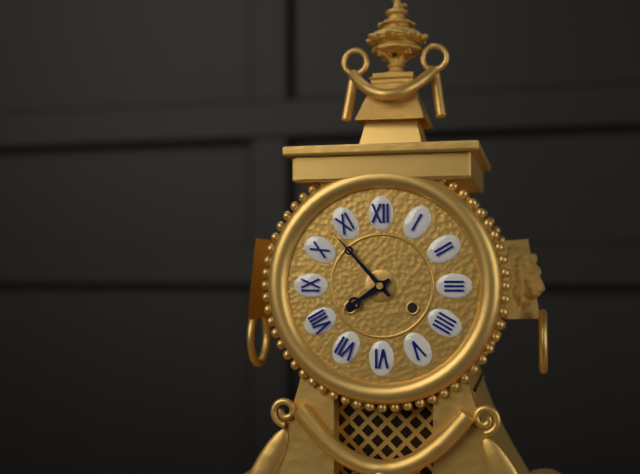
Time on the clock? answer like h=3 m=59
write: h=7 m=53
